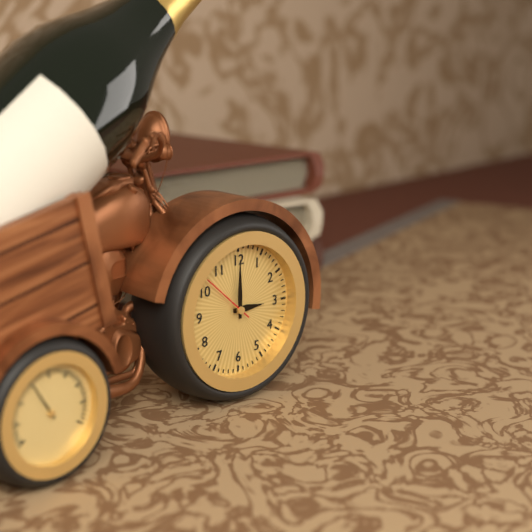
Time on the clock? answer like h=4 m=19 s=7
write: h=3 m=0 s=52
